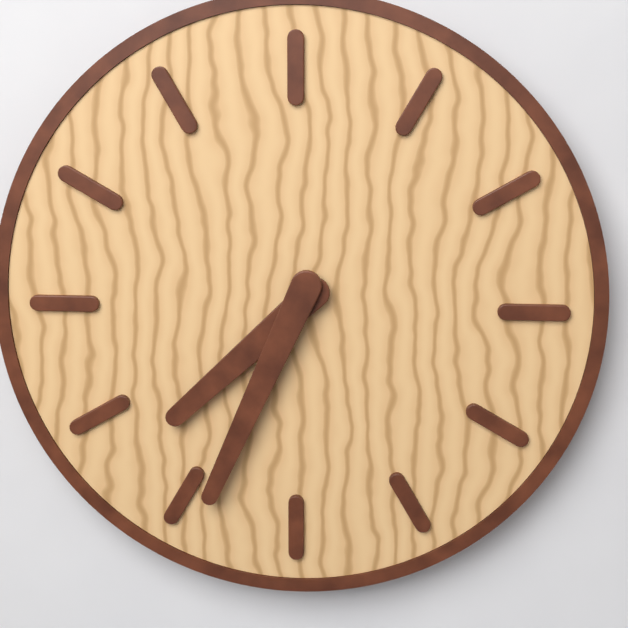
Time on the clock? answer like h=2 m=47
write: h=7 m=34
